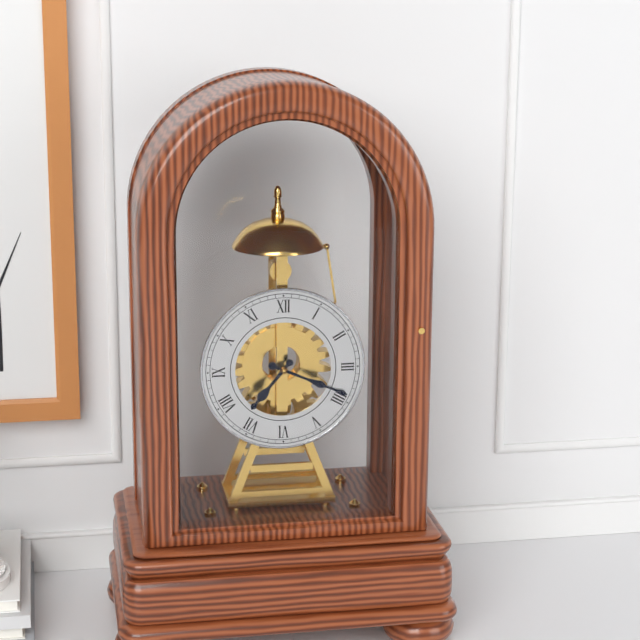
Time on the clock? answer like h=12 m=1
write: h=7 m=19
